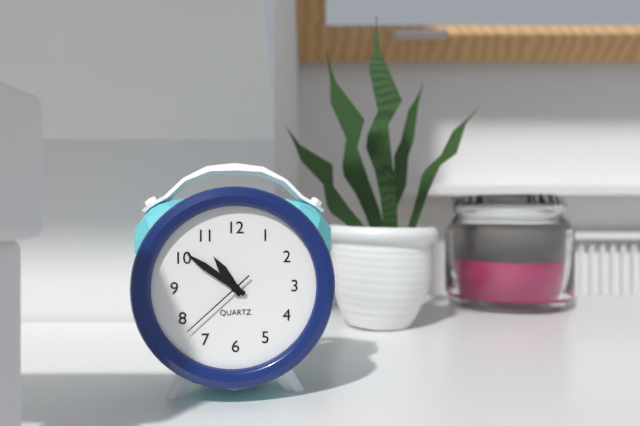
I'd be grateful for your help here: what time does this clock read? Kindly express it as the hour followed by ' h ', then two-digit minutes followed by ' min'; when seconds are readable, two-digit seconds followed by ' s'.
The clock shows 10 h 51 min 38 s
